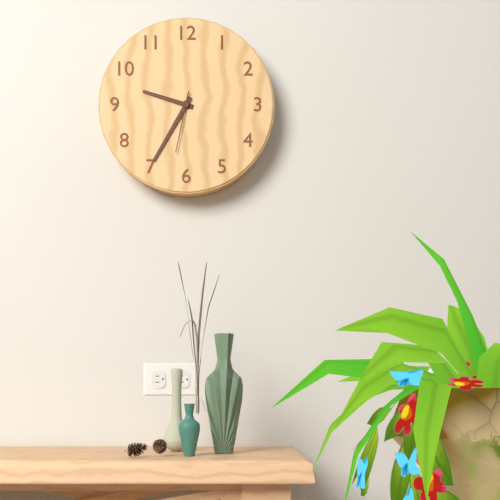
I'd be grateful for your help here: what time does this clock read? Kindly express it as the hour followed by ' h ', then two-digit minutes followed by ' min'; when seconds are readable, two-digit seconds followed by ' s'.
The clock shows 9 h 35 min 32 s
